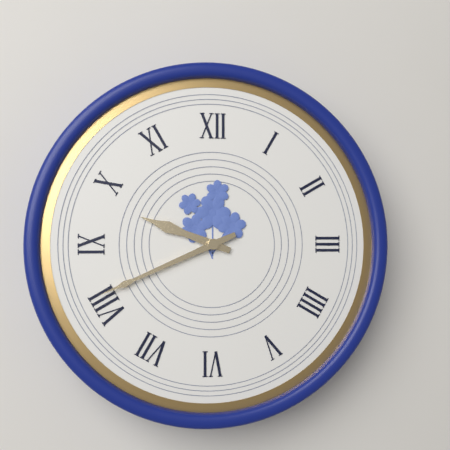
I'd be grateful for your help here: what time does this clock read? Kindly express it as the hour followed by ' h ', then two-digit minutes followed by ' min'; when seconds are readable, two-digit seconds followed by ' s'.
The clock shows 9 h 41 min
